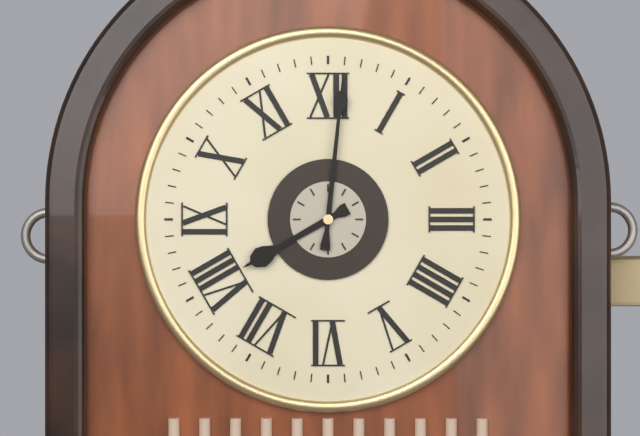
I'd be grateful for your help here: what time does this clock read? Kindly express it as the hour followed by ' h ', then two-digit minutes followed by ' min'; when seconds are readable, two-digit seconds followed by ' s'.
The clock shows 8 h 01 min
